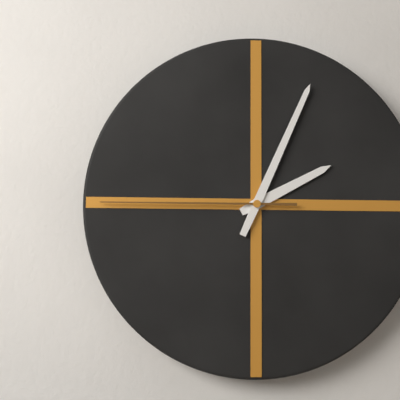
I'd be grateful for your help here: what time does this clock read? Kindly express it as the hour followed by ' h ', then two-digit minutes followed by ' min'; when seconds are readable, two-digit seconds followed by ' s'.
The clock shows 2 h 04 min 45 s
